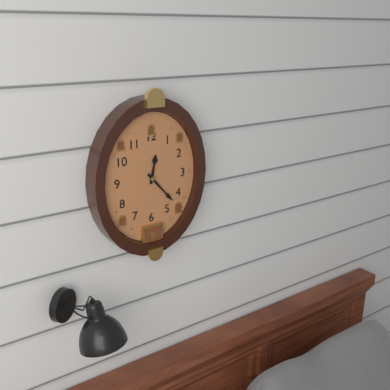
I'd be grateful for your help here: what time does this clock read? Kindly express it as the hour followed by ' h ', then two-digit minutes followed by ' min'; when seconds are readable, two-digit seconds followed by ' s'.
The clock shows 12 h 23 min
